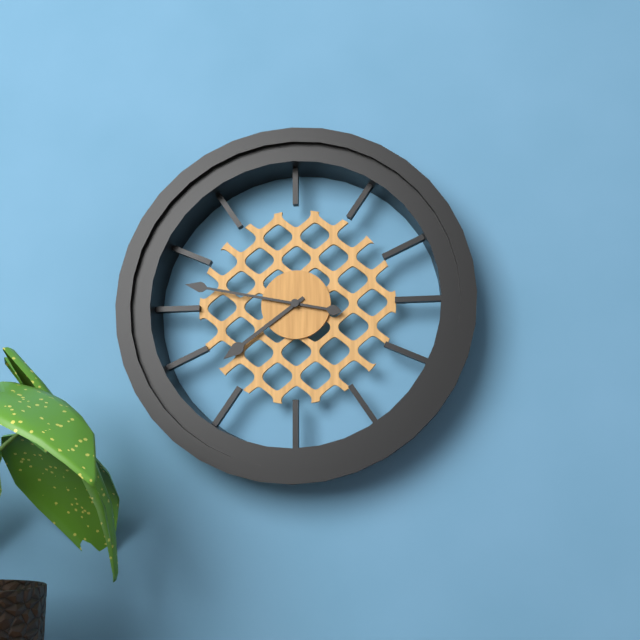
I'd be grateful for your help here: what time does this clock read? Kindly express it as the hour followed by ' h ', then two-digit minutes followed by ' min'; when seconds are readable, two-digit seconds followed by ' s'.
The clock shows 7 h 47 min
